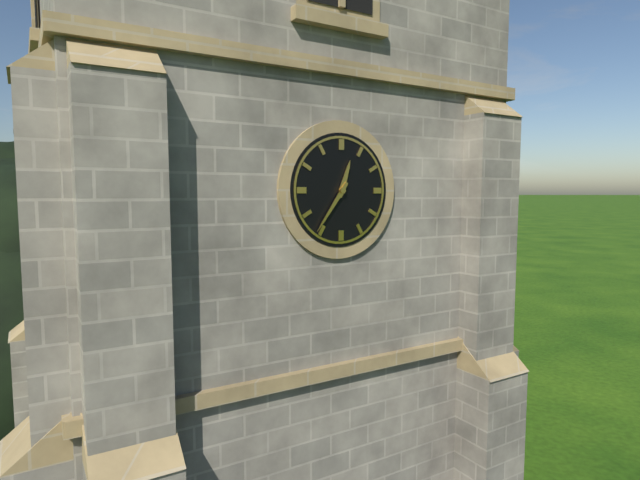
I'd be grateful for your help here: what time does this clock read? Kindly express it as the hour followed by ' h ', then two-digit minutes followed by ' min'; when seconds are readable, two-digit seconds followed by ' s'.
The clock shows 12 h 36 min
